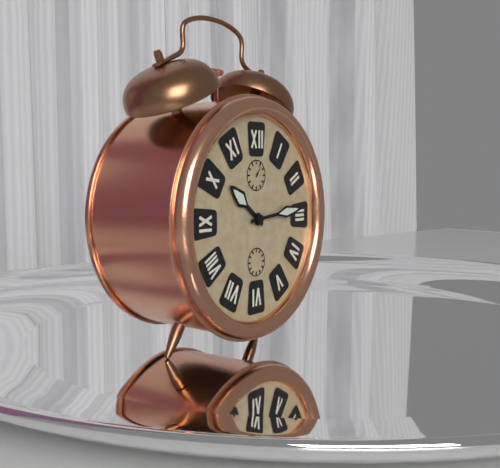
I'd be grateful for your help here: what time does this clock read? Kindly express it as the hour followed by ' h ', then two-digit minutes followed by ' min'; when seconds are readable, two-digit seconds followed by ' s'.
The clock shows 10 h 14 min
